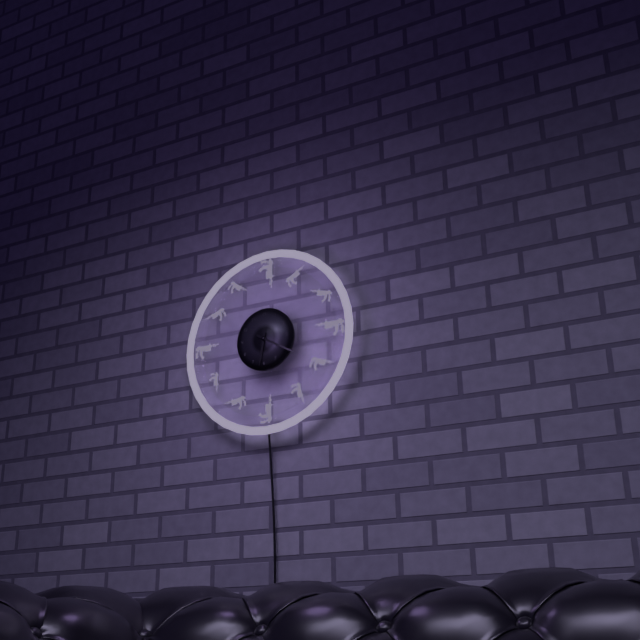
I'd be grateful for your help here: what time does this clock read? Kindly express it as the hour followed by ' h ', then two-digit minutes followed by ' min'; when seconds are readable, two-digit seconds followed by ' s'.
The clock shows 6 h 20 min
